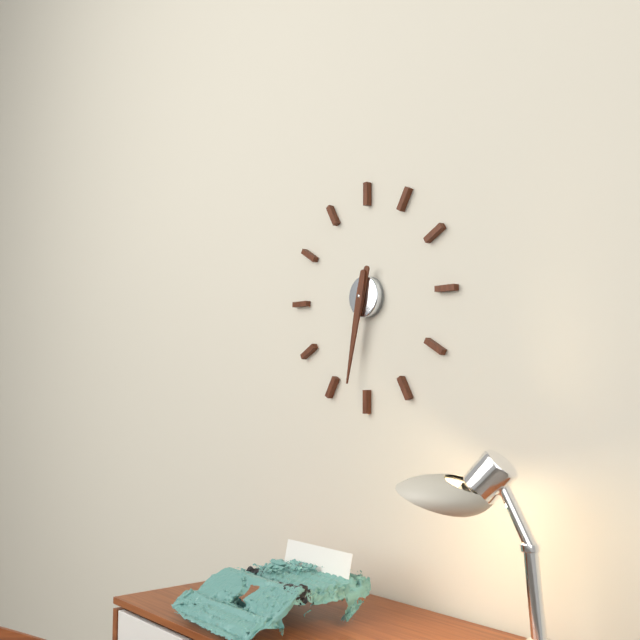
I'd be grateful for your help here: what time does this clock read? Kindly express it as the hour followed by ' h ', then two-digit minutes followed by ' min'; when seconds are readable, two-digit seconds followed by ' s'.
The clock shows 6 h 32 min
